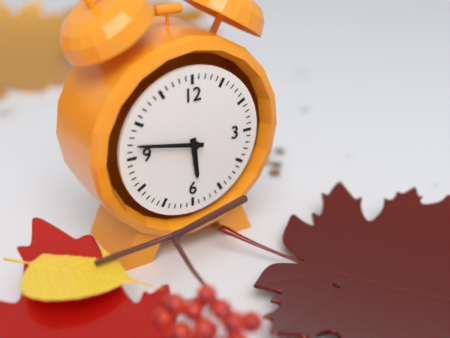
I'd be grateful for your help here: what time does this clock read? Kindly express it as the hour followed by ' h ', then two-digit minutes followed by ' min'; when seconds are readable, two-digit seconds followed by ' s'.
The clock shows 5 h 47 min
